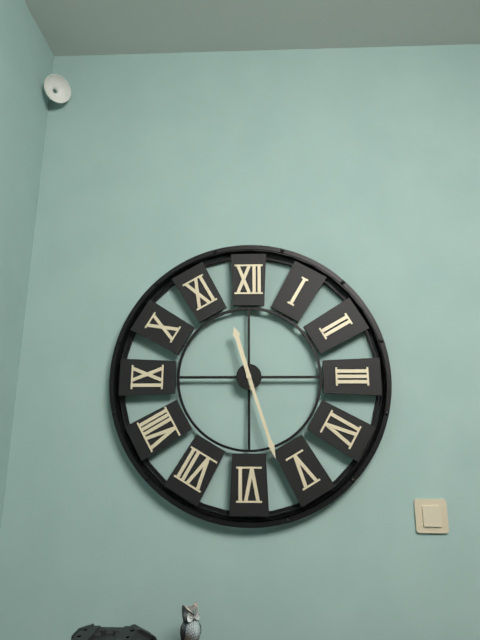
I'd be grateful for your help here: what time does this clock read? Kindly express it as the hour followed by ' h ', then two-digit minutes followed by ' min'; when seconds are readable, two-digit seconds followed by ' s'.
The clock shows 11 h 27 min
